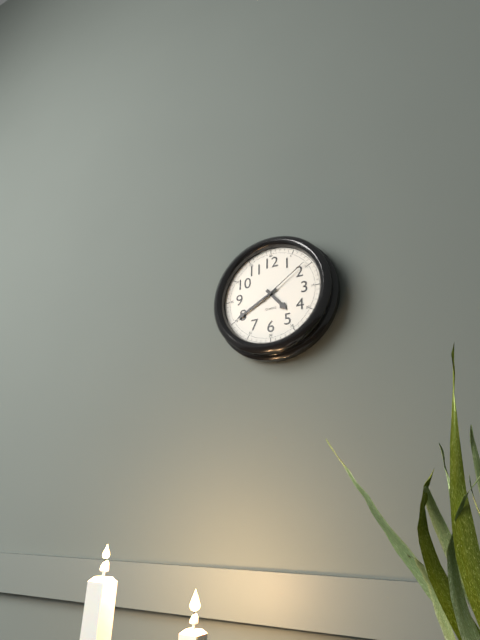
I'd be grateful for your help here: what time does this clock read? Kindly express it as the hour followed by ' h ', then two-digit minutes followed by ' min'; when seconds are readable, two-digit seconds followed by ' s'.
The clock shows 4 h 40 min 09 s
